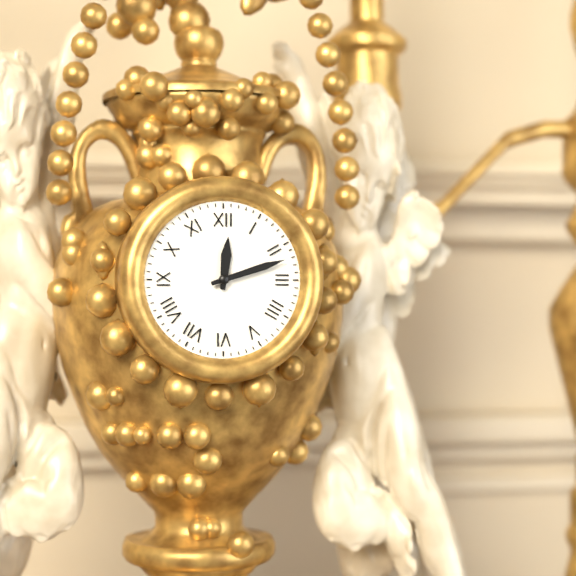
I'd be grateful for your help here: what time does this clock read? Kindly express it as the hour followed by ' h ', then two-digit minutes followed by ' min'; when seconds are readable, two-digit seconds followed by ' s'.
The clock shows 12 h 12 min
